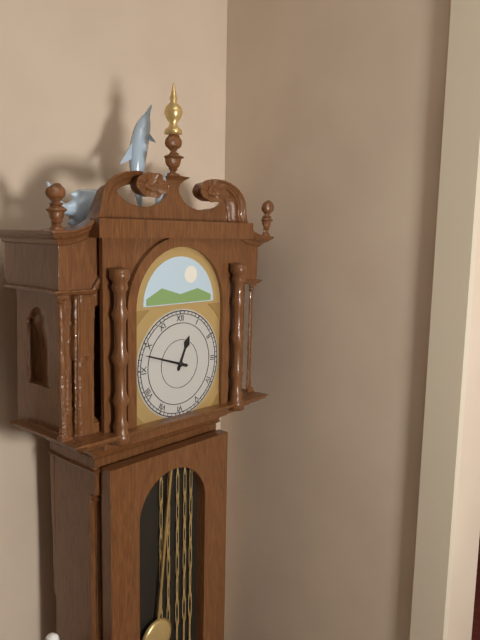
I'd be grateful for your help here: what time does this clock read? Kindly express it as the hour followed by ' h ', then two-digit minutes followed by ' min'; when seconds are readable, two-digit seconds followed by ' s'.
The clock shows 12 h 48 min
